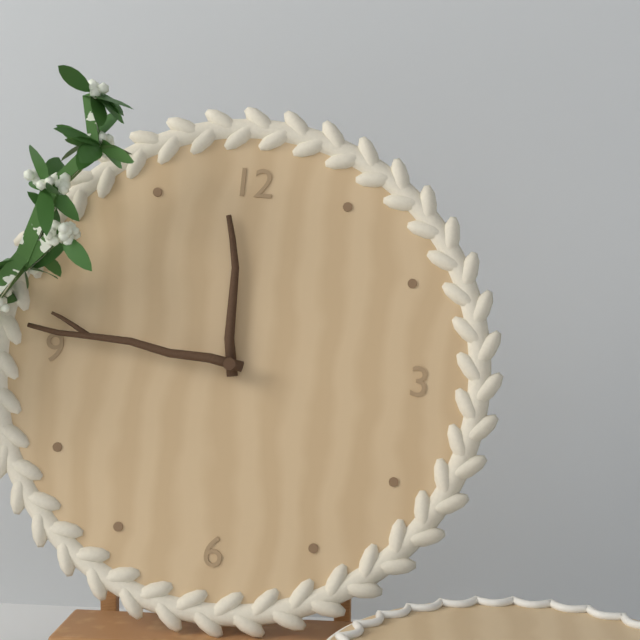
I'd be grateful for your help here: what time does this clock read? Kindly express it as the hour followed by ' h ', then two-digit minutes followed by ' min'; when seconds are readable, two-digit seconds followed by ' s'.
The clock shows 11 h 46 min
